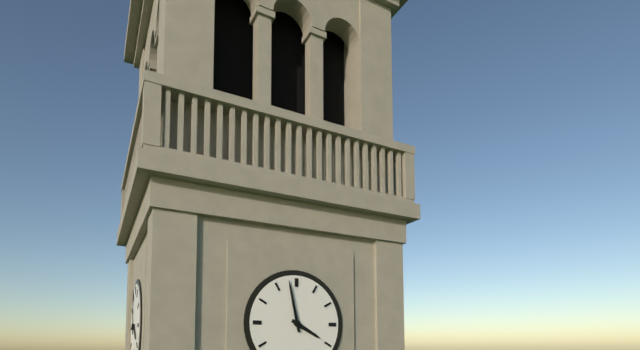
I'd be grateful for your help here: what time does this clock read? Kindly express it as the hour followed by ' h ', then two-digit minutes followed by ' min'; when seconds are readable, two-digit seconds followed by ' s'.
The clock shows 3 h 58 min
